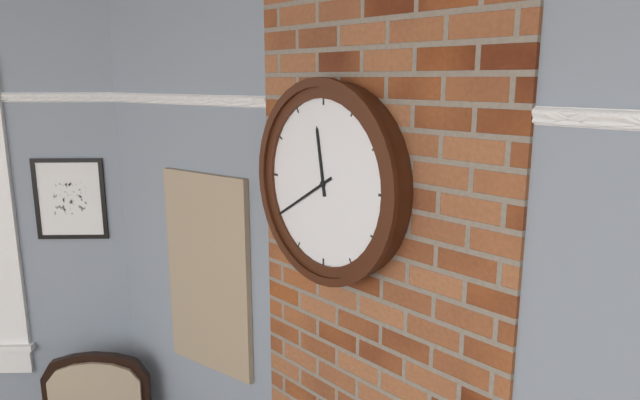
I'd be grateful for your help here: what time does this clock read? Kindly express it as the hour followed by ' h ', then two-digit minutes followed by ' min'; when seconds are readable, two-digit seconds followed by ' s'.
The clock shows 11 h 40 min
